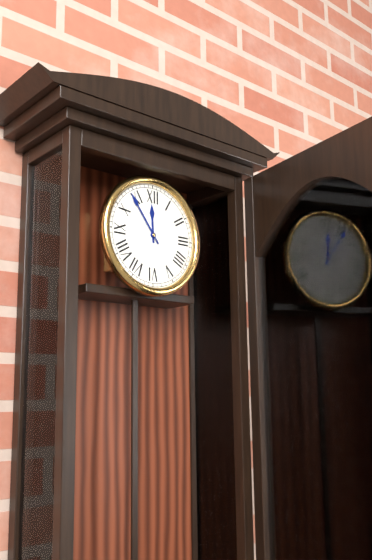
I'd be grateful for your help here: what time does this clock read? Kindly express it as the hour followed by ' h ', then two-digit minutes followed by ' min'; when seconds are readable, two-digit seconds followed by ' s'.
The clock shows 11 h 54 min
